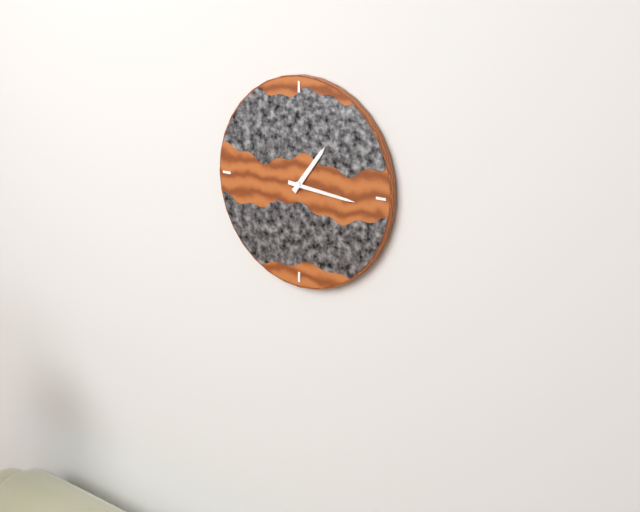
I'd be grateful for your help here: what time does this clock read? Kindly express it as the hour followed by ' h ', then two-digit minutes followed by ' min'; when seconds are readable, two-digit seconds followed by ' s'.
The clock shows 1 h 16 min
